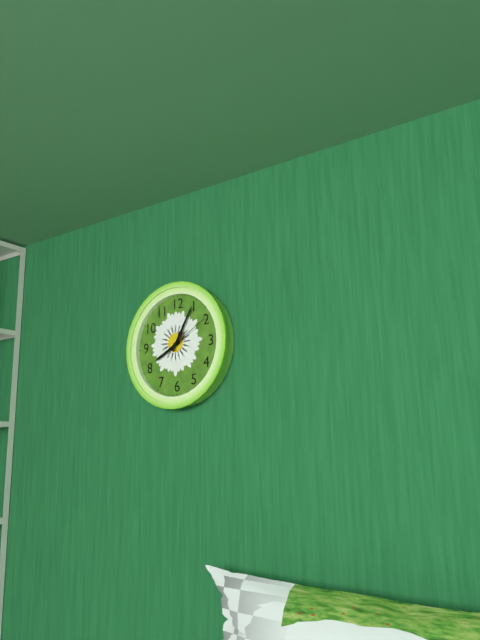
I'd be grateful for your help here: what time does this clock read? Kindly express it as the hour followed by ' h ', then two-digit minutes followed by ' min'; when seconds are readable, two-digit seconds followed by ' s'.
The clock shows 8 h 05 min 10 s
